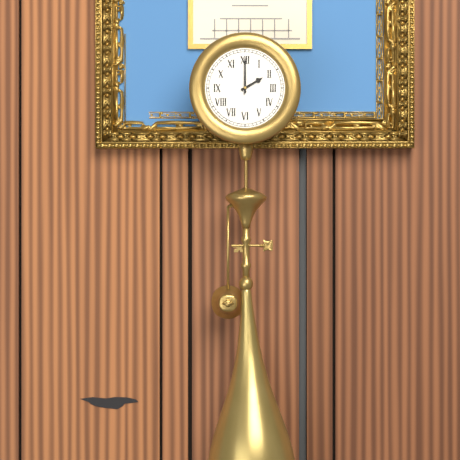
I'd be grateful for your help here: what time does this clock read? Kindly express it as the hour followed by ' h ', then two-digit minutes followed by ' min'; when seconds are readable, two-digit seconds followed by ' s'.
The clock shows 2 h 00 min
